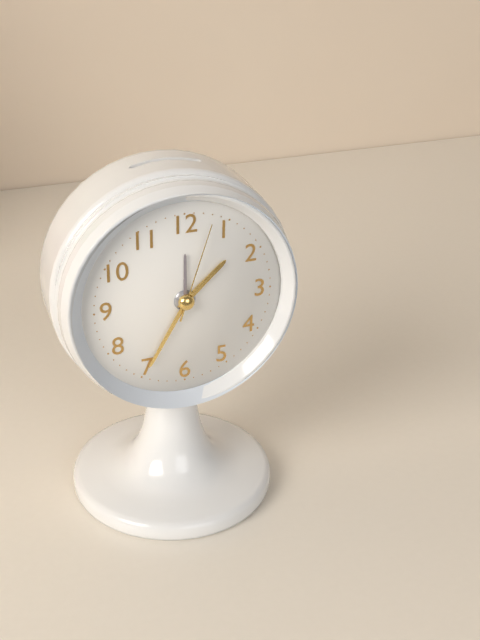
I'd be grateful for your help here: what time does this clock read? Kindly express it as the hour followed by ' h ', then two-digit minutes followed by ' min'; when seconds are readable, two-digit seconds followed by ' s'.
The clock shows 1 h 35 min 03 s
